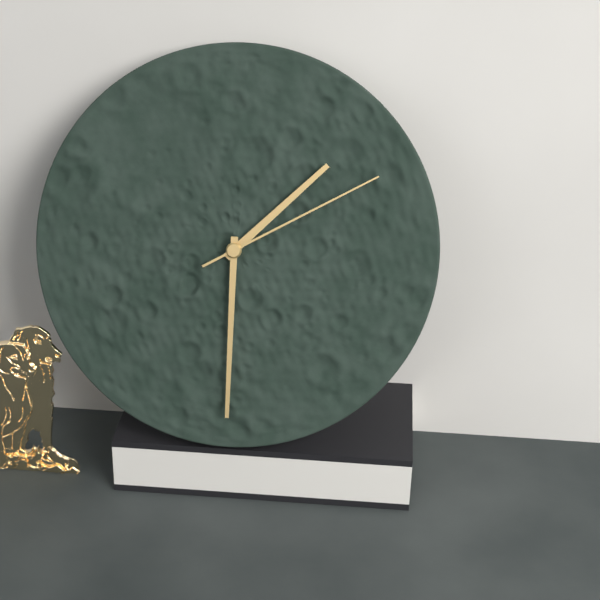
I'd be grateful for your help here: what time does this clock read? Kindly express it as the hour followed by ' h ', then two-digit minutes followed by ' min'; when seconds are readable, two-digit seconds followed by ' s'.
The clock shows 1 h 30 min 10 s
